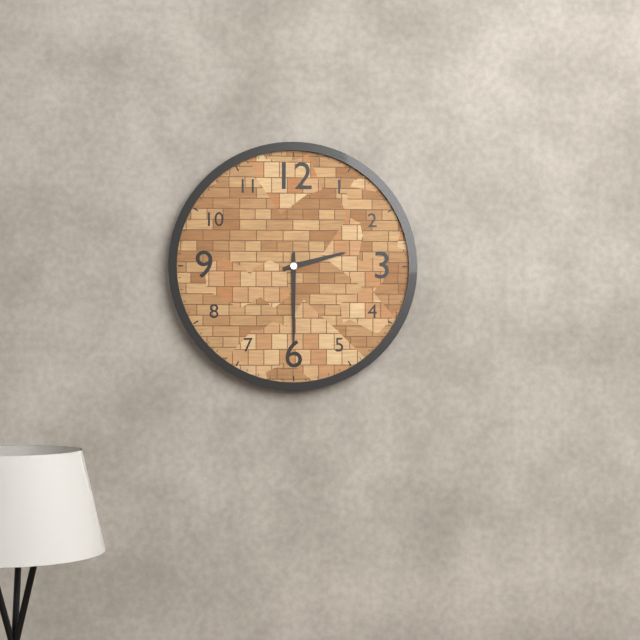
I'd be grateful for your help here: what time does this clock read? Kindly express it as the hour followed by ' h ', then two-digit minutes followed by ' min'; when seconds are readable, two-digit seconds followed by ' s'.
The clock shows 2 h 30 min
